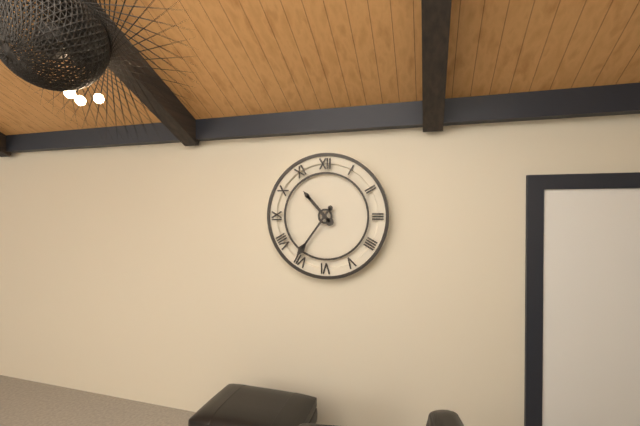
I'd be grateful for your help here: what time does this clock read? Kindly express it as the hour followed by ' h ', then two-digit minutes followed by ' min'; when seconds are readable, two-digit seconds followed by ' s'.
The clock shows 10 h 36 min
